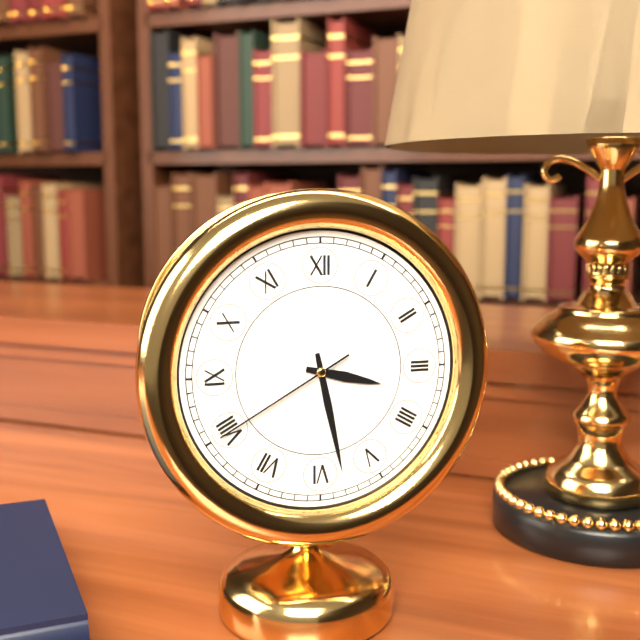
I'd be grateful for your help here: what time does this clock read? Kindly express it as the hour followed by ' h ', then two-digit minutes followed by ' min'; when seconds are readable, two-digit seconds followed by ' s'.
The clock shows 3 h 28 min 40 s
